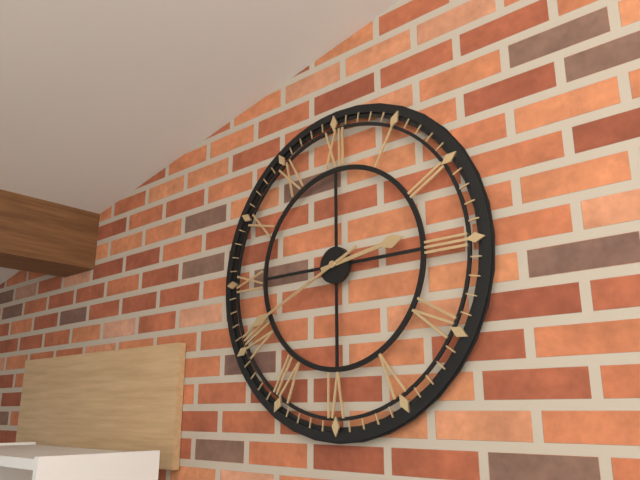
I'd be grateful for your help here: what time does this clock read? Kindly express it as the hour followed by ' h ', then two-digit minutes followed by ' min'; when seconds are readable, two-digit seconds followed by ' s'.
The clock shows 2 h 41 min
